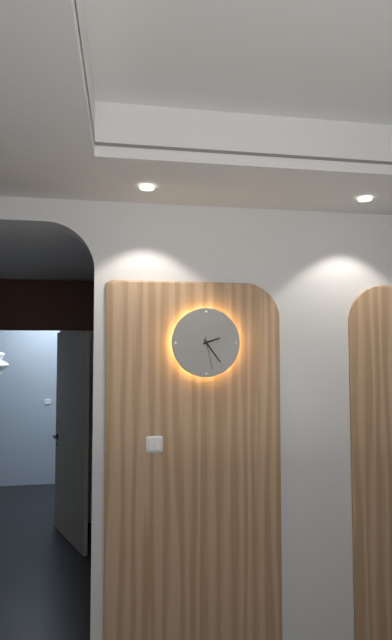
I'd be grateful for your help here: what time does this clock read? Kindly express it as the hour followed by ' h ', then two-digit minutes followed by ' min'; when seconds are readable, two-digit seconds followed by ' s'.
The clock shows 2 h 24 min
